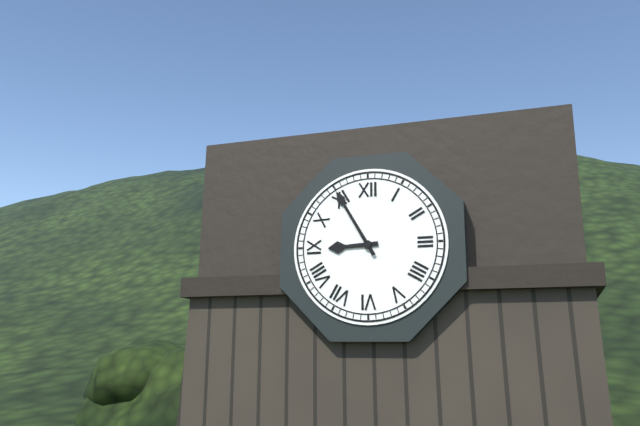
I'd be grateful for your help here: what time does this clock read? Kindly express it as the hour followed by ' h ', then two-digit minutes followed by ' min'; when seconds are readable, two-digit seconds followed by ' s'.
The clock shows 8 h 55 min
